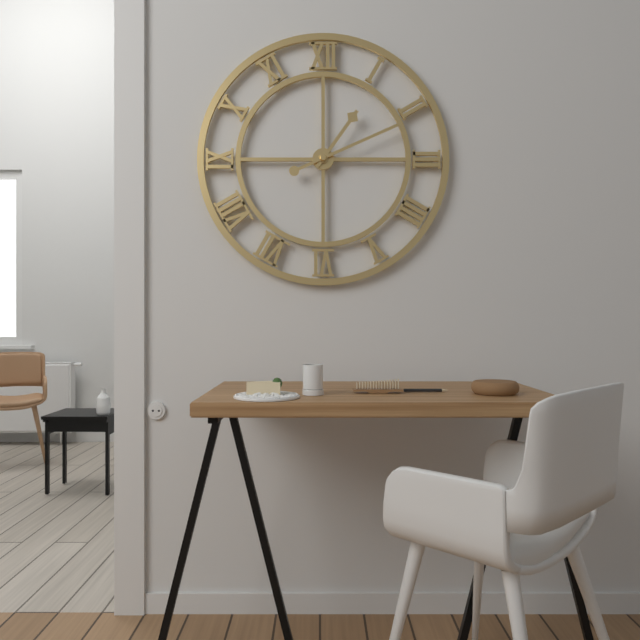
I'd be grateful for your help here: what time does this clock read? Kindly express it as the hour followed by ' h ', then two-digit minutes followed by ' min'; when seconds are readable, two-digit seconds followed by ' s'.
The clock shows 1 h 11 min
